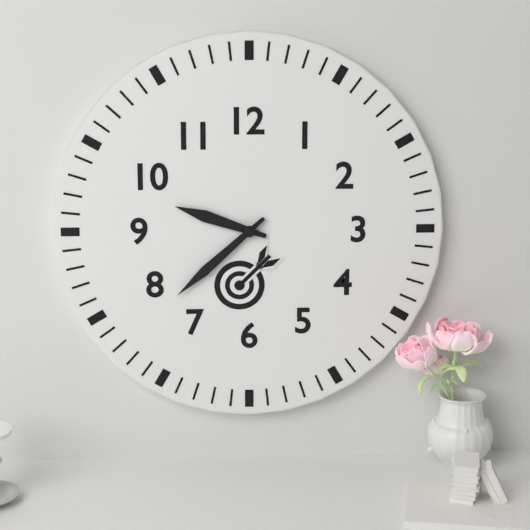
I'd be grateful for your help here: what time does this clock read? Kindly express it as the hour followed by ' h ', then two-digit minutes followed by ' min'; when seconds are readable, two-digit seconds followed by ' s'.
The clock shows 9 h 38 min
